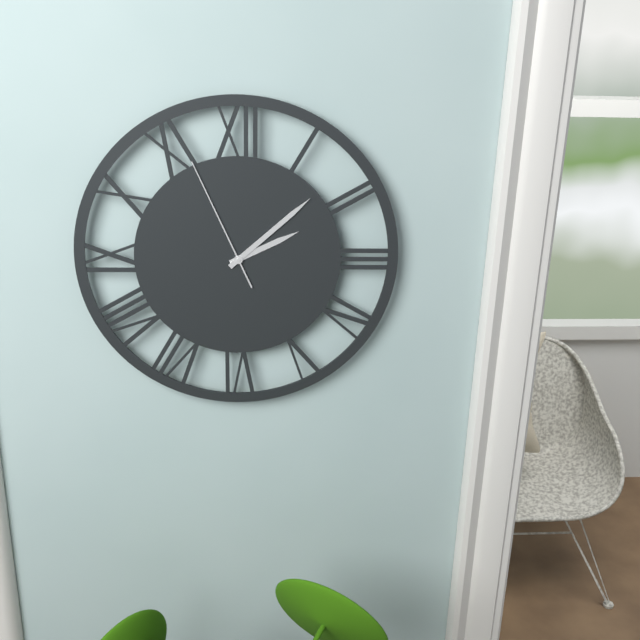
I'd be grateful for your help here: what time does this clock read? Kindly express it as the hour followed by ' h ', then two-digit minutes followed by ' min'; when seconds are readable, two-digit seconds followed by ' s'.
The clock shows 2 h 08 min 56 s
